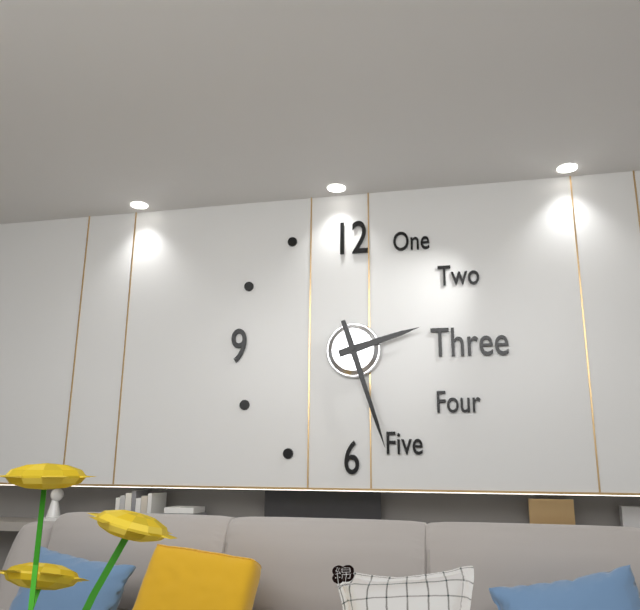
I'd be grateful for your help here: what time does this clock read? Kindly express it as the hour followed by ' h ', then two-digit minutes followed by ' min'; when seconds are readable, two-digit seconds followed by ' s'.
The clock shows 2 h 27 min
